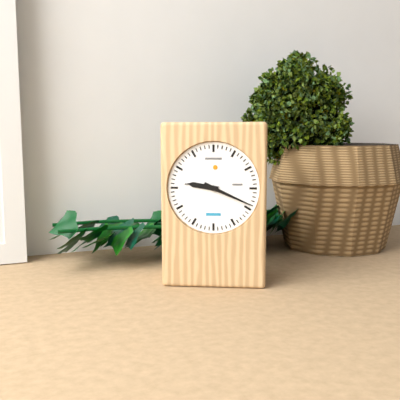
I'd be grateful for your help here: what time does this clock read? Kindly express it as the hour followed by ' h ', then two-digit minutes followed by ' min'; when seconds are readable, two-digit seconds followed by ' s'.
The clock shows 9 h 19 min
